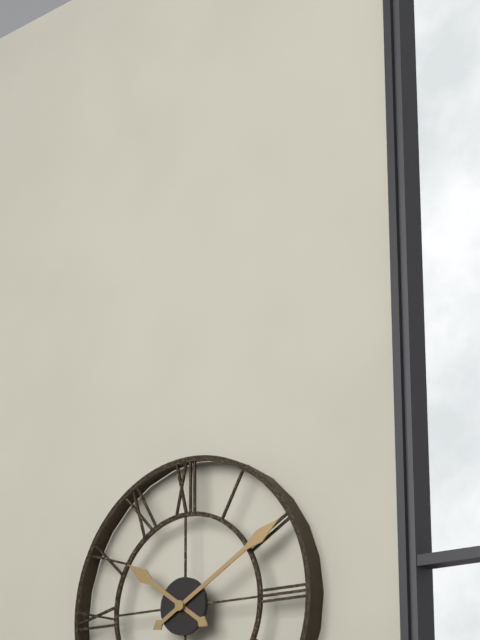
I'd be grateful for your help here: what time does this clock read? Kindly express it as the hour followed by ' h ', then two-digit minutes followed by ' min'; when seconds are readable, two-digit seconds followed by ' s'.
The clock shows 10 h 10 min
